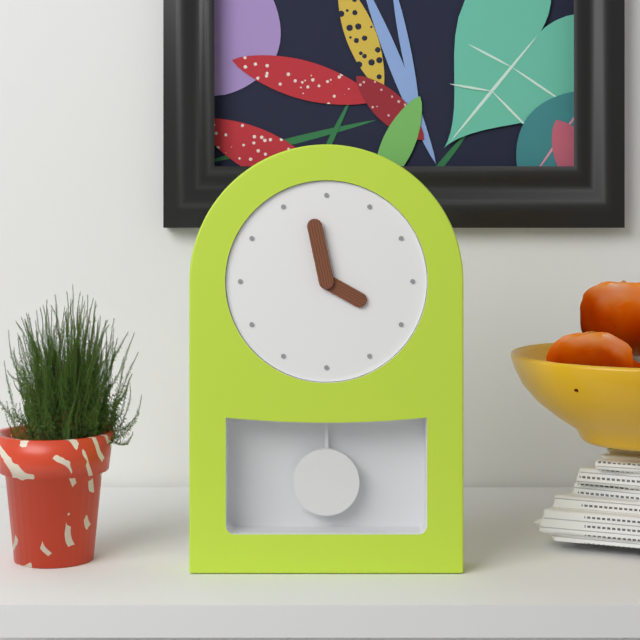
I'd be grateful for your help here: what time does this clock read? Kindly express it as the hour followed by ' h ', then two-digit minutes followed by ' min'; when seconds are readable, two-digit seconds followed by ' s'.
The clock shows 3 h 58 min
